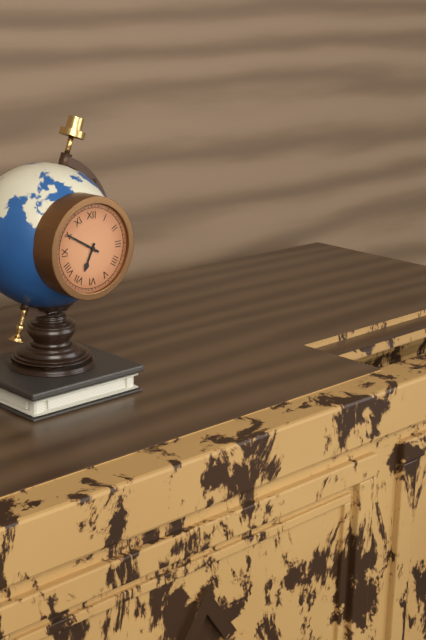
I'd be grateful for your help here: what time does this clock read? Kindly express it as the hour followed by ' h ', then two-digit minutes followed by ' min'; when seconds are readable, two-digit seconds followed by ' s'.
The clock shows 6 h 50 min
